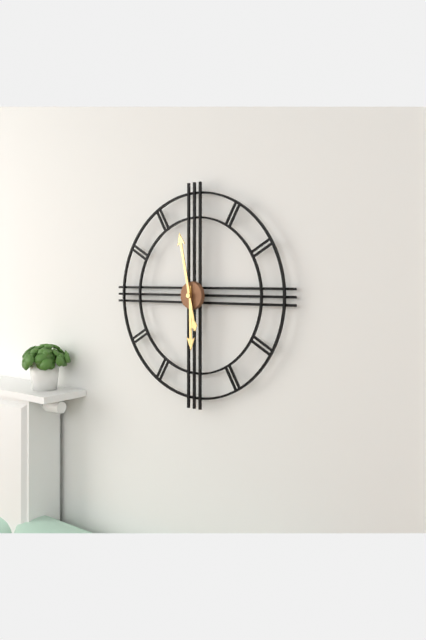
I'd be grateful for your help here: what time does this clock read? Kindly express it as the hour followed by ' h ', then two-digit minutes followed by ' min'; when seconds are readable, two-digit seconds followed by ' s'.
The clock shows 5 h 58 min
